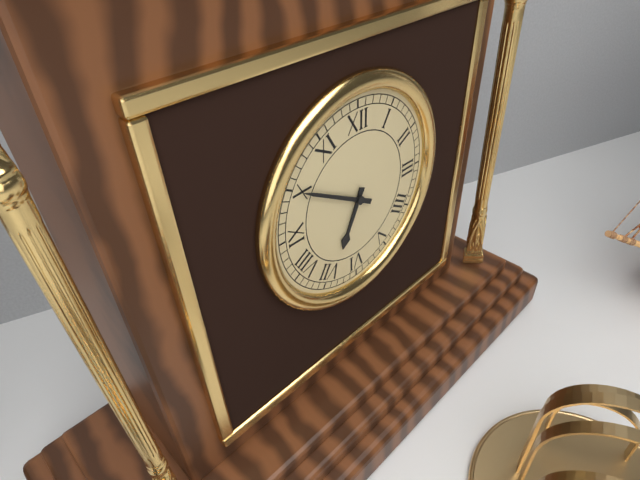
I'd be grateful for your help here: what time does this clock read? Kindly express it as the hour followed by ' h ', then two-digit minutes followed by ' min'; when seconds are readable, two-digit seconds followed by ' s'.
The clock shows 6 h 50 min
